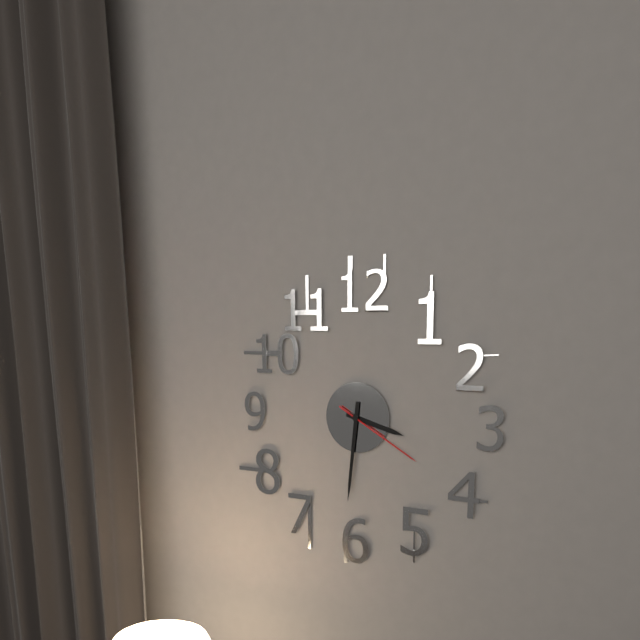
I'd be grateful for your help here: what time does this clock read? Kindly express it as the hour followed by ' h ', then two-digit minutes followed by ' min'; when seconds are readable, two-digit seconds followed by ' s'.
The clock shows 3 h 31 min 20 s
